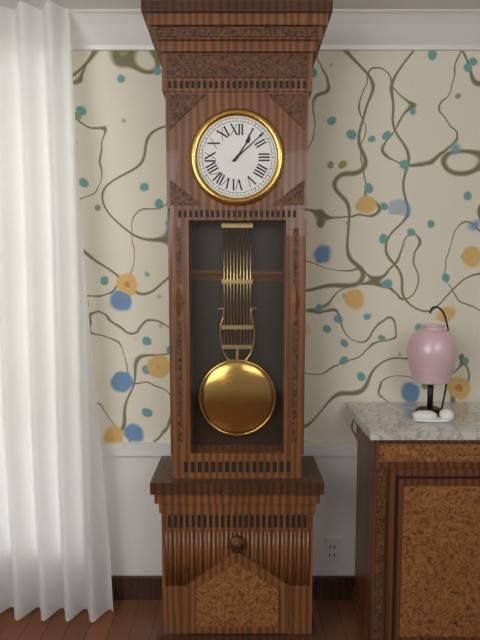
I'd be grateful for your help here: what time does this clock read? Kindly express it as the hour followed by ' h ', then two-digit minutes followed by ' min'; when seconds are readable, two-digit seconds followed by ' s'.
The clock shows 1 h 08 min
